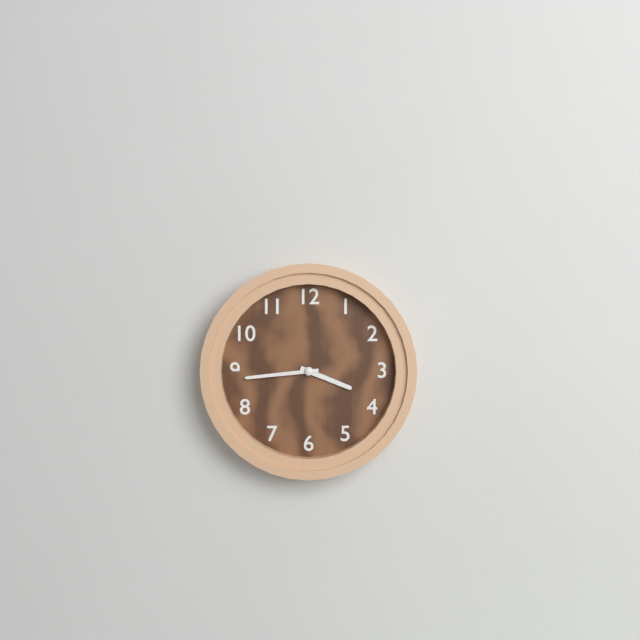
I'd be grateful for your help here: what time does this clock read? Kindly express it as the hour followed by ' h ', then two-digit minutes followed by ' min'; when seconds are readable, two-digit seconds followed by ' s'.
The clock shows 3 h 44 min
